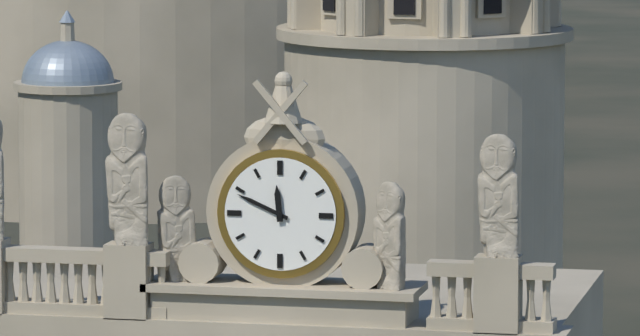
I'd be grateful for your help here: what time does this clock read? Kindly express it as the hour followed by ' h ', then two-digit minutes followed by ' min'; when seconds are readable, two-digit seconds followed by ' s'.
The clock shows 11 h 49 min
